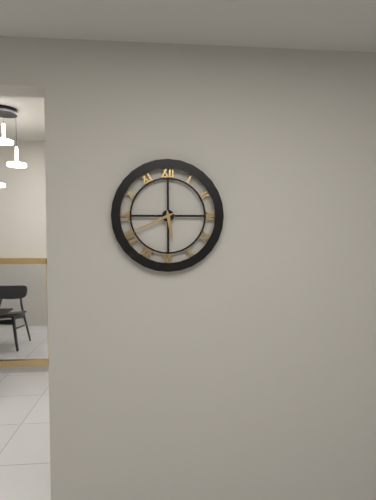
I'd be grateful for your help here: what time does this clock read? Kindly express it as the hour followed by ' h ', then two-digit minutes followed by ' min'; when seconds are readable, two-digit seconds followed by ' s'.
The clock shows 5 h 41 min
